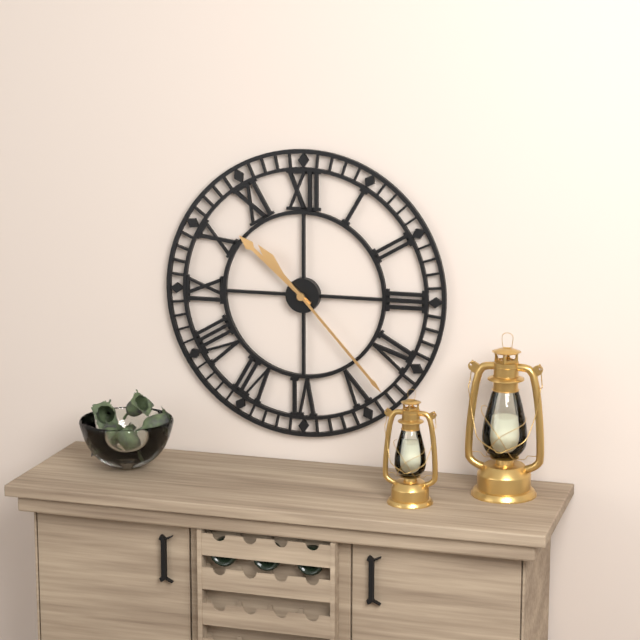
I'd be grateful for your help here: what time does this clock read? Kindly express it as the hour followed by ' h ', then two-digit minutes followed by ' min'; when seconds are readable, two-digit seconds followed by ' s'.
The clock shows 10 h 23 min
